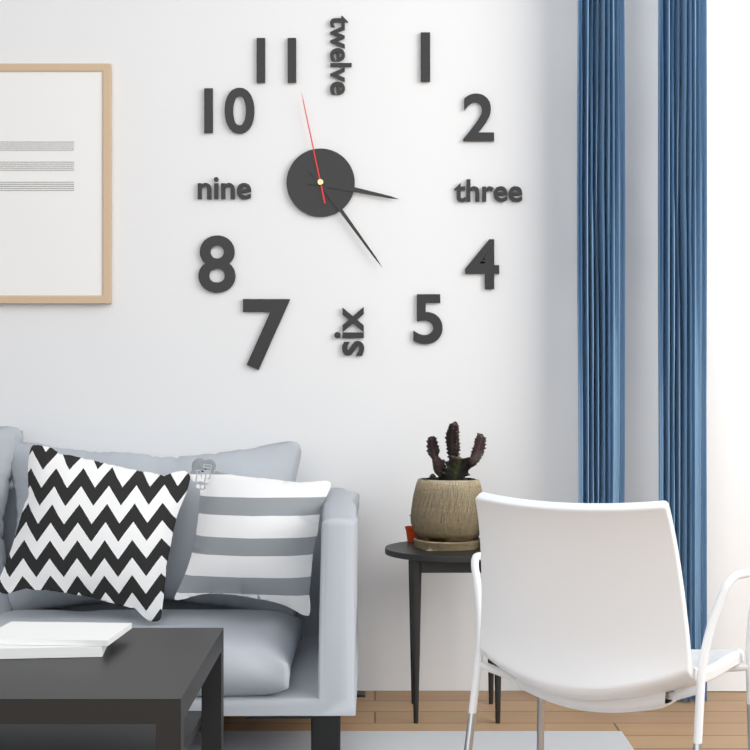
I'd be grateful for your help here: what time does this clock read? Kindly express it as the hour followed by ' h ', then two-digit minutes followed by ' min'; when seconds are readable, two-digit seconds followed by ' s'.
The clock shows 3 h 24 min 58 s
